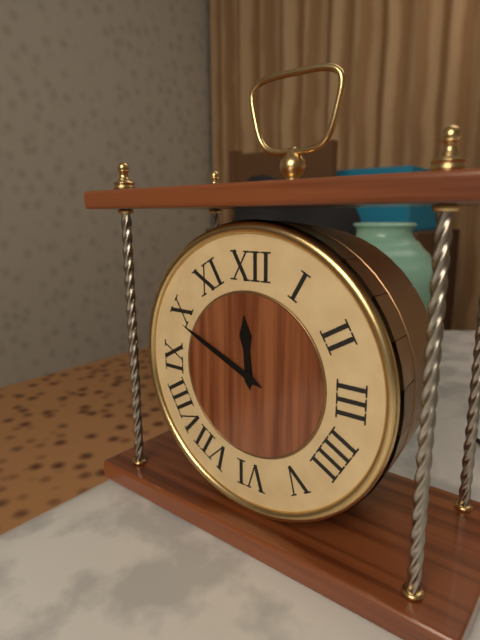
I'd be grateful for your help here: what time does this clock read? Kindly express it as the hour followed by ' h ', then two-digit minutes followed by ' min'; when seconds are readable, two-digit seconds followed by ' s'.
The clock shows 11 h 49 min
